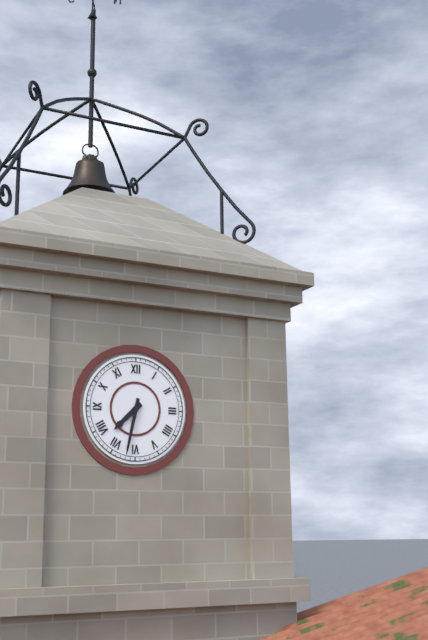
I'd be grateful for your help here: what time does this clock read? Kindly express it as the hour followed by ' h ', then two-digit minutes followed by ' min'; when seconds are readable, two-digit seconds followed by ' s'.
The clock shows 7 h 32 min
